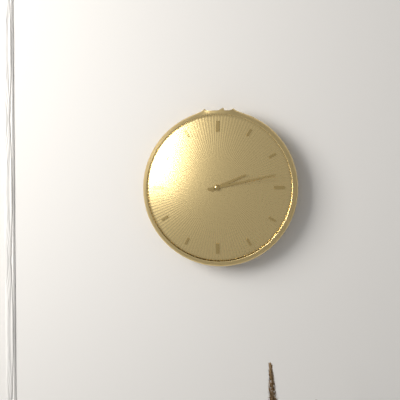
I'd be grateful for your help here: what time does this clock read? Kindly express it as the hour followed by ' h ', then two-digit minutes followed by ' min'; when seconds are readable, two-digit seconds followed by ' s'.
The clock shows 2 h 13 min
